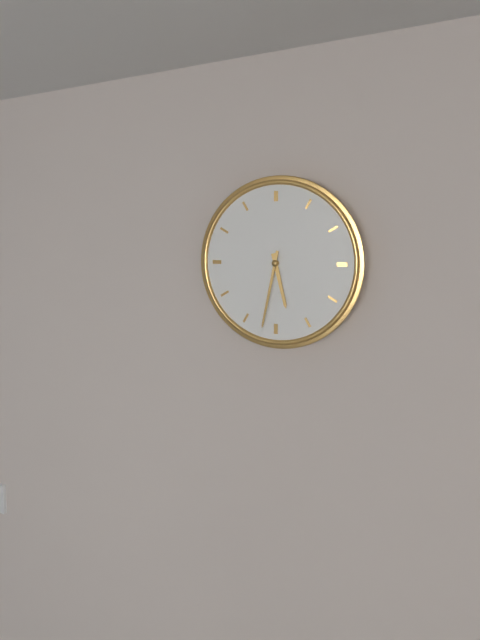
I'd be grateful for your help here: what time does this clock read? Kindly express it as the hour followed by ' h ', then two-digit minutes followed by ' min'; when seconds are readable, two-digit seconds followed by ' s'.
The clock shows 5 h 32 min
